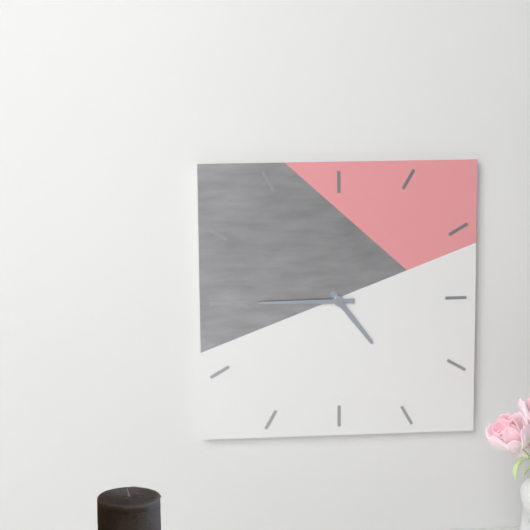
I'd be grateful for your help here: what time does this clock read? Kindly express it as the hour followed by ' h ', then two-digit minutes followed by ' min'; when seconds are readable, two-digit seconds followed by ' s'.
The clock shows 4 h 45 min
